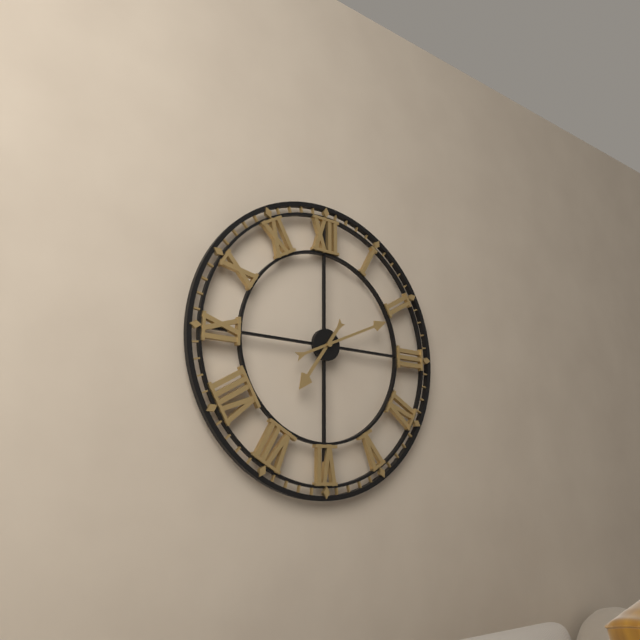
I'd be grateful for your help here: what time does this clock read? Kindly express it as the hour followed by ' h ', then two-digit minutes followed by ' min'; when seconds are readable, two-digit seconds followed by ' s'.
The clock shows 7 h 11 min
